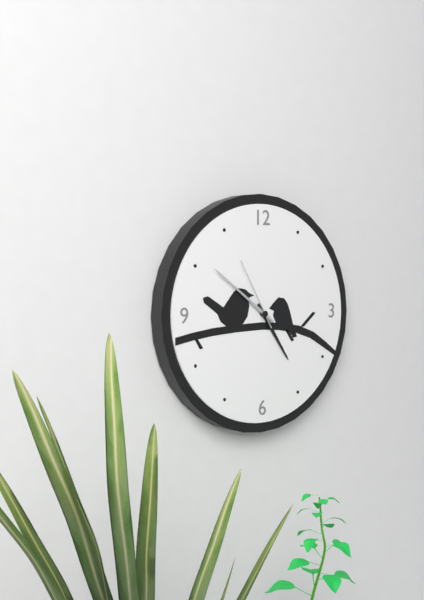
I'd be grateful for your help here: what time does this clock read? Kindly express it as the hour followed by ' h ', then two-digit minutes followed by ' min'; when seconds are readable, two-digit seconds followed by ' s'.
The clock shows 4 h 51 min 55 s
